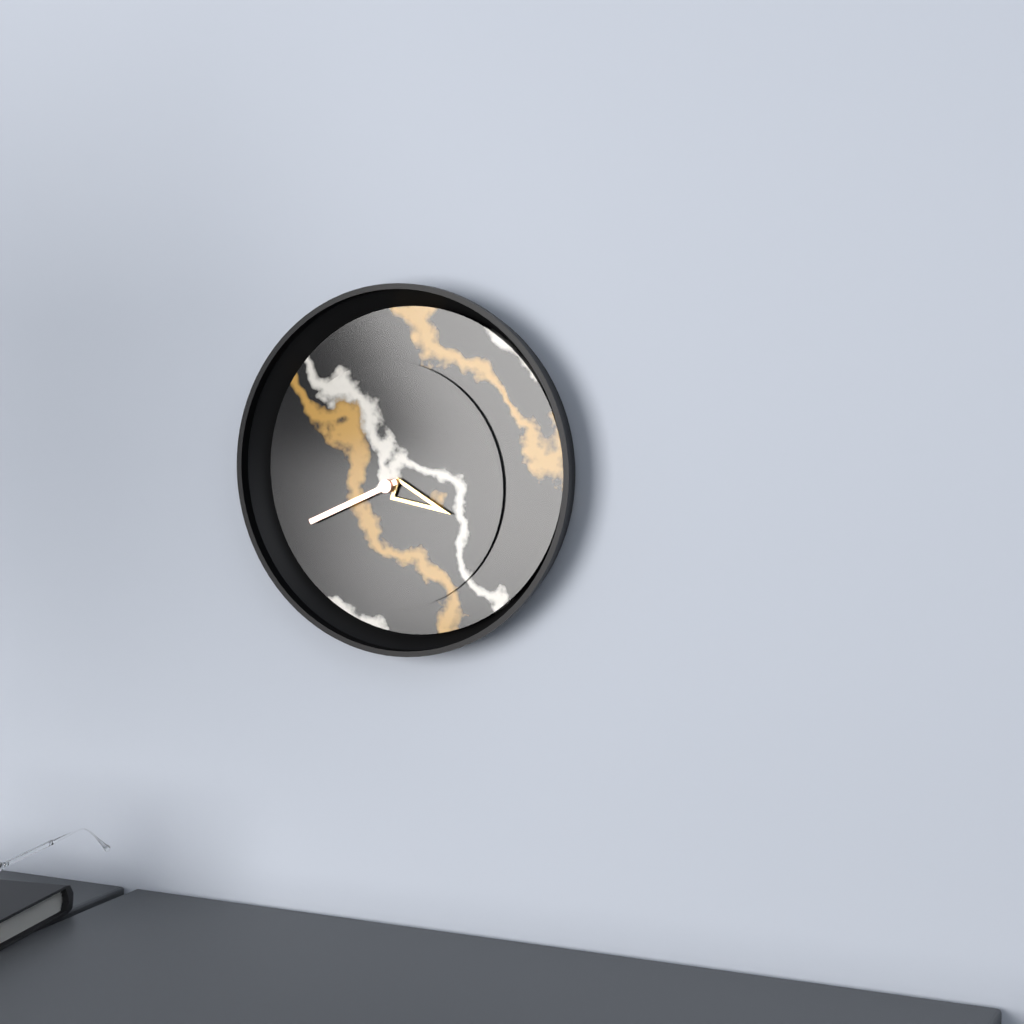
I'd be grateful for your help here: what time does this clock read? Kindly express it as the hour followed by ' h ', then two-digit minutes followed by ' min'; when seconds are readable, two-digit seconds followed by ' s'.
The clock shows 3 h 41 min
